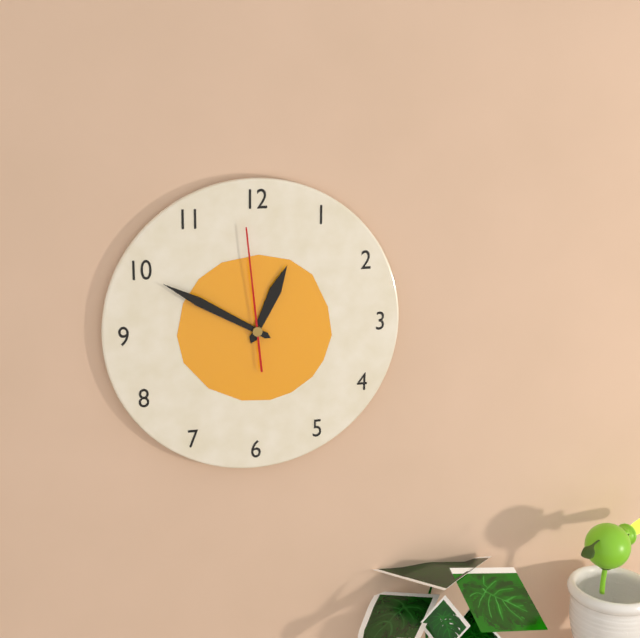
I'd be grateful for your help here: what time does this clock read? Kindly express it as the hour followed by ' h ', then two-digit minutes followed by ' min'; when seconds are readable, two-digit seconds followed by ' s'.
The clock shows 12 h 50 min 59 s
